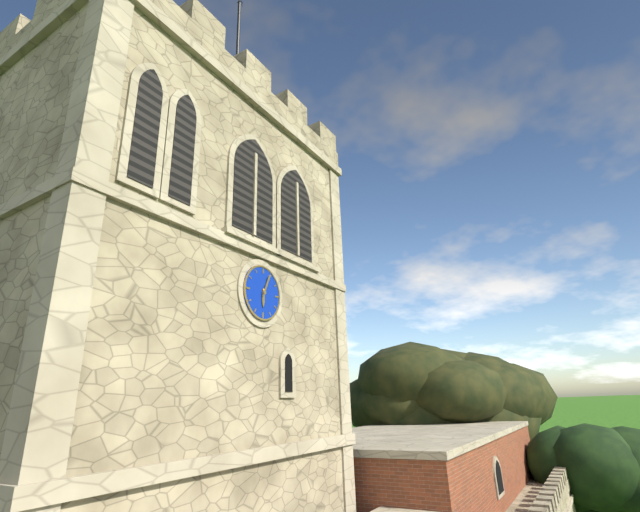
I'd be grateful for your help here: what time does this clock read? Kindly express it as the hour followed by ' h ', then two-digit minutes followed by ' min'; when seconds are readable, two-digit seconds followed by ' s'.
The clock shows 6 h 04 min
